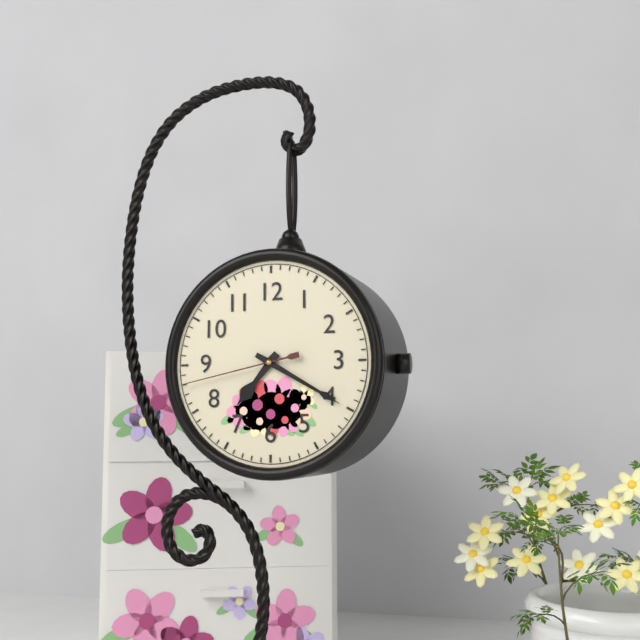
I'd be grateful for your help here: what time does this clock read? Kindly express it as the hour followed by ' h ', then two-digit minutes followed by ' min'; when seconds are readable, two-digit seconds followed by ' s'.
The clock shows 7 h 20 min 43 s
